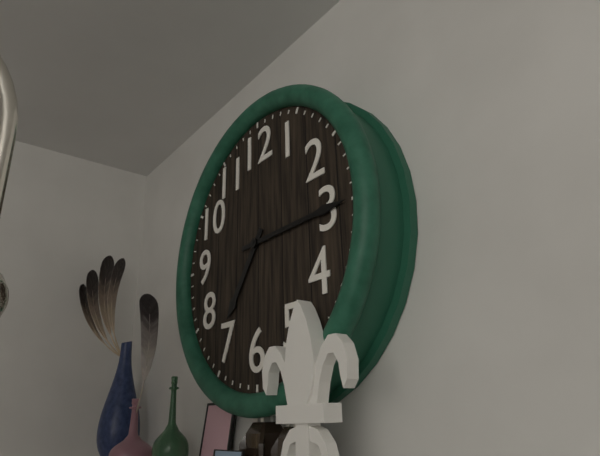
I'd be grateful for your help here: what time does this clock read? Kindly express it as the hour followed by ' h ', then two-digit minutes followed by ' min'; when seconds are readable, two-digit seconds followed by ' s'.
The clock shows 7 h 15 min
